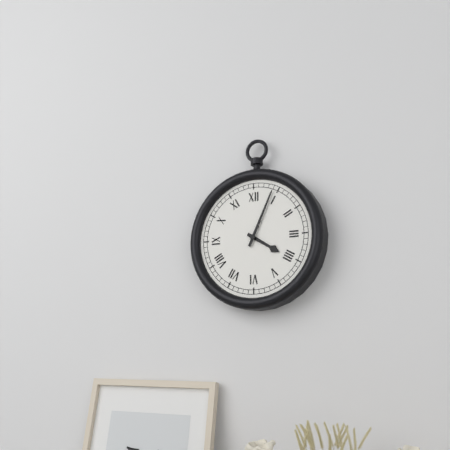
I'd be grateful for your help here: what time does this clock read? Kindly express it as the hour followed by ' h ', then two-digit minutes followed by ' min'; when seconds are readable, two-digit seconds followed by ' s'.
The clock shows 4 h 04 min
